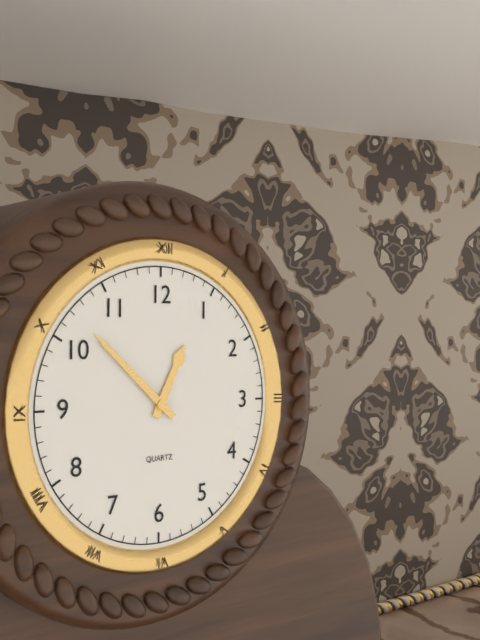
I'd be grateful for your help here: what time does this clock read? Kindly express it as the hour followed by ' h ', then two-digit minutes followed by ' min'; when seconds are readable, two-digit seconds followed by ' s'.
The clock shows 12 h 52 min
